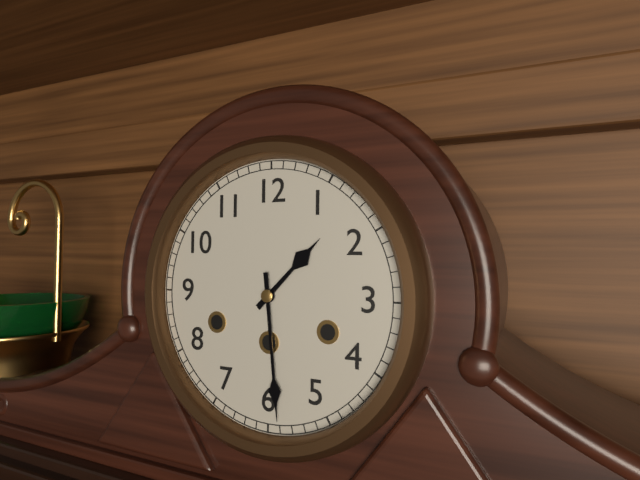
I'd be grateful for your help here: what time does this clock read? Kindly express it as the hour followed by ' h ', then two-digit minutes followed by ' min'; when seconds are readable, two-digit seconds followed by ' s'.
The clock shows 1 h 29 min
